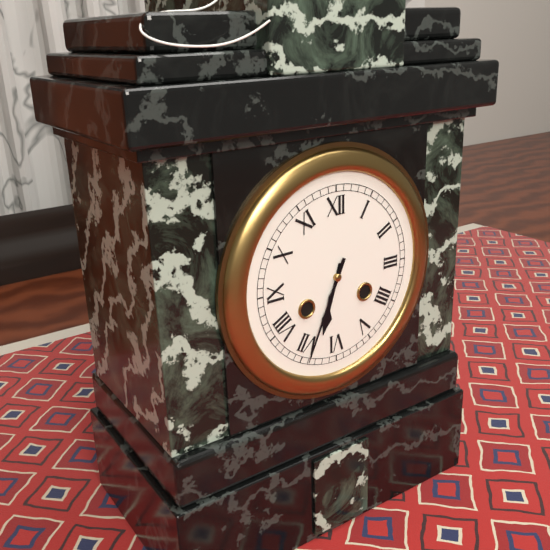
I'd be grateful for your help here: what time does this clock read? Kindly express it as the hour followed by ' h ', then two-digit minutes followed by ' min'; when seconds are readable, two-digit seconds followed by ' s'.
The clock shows 6 h 34 min
